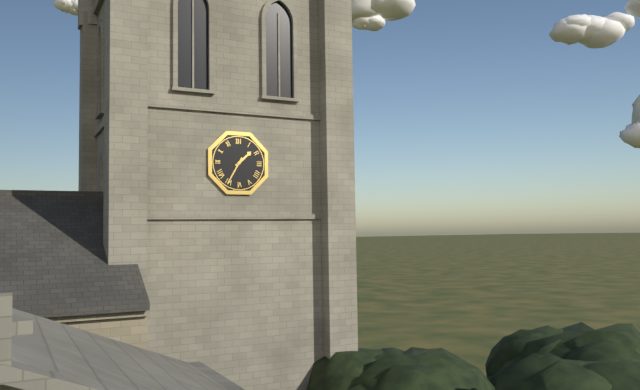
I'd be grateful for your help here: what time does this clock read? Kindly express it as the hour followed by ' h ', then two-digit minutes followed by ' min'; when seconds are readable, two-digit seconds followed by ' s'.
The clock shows 1 h 35 min
